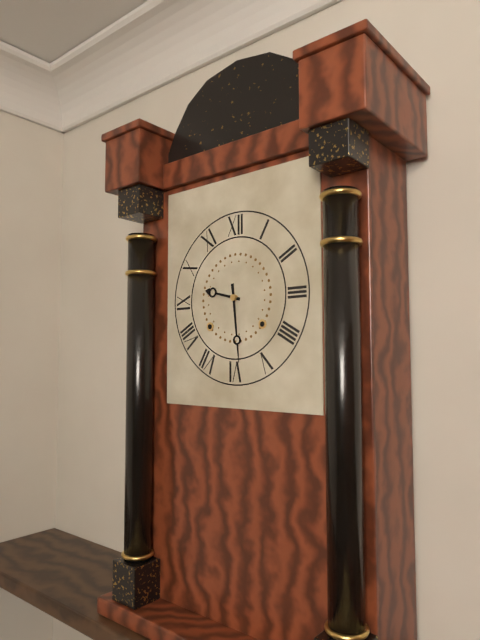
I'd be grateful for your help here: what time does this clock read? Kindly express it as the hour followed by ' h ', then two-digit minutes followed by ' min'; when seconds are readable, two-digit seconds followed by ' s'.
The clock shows 9 h 29 min
